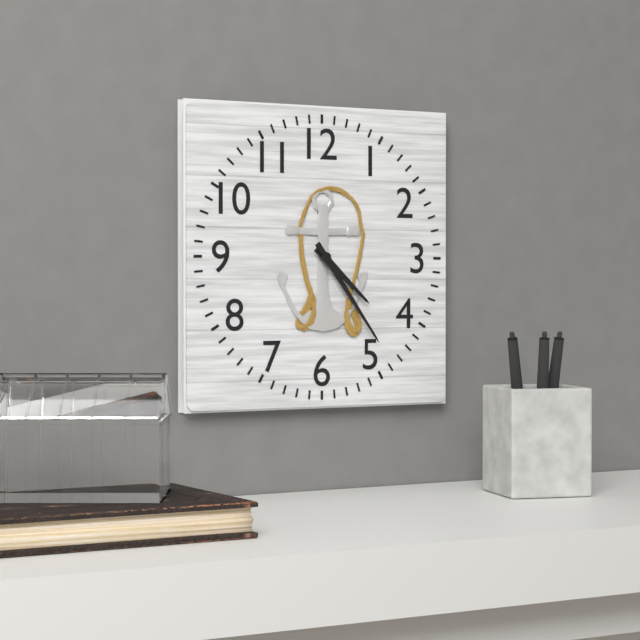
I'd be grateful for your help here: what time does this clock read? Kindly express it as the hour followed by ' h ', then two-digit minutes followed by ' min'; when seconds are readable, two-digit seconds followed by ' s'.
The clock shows 4 h 24 min
